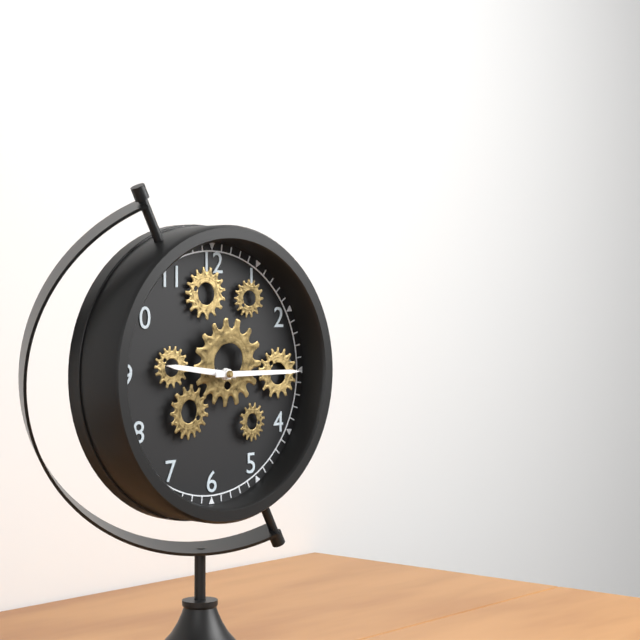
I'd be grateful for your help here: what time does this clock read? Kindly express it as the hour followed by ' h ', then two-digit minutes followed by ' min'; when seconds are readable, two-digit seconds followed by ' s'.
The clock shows 9 h 15 min
